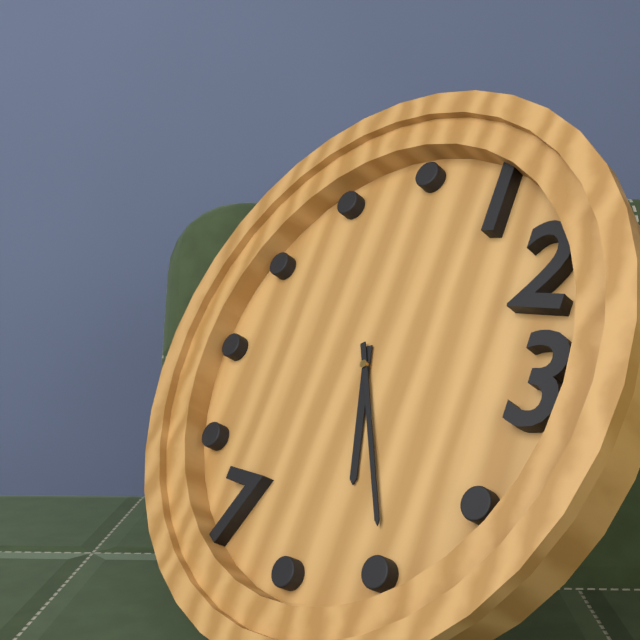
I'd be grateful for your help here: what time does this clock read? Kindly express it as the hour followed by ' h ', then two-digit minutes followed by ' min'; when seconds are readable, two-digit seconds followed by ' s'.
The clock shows 5 h 25 min
